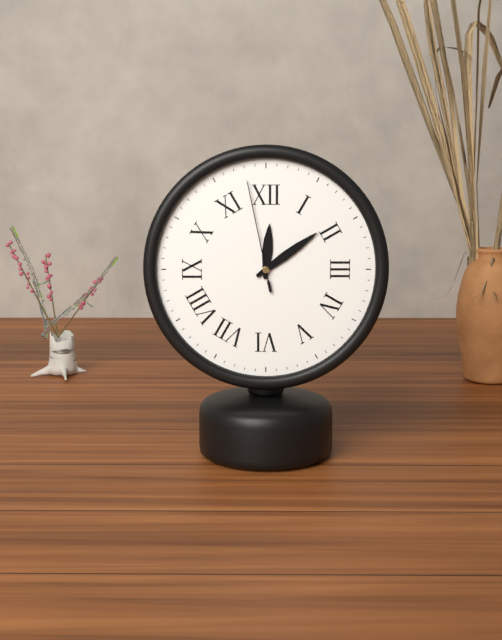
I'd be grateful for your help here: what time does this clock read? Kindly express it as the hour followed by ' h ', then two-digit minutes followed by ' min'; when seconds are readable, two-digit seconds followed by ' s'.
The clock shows 12 h 09 min 58 s
